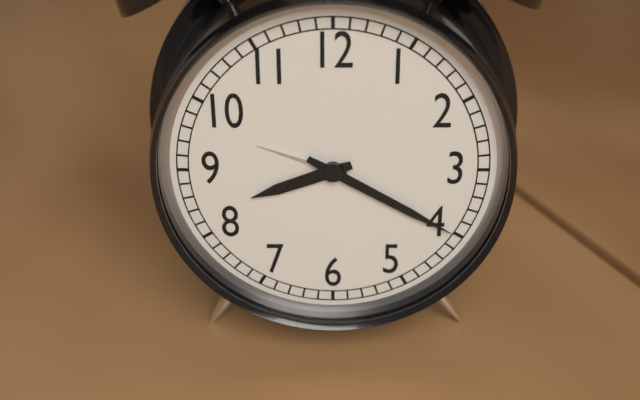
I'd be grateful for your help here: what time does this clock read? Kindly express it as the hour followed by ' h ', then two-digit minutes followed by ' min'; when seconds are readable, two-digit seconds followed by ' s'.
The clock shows 8 h 20 min
